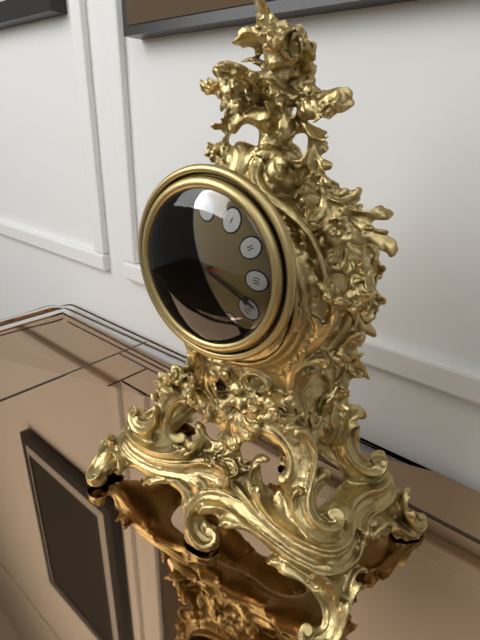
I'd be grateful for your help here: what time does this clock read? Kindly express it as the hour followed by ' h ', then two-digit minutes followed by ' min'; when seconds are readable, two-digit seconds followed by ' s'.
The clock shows 8 h 19 min 44 s
